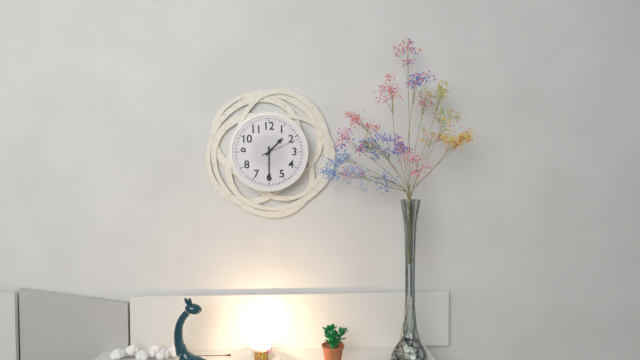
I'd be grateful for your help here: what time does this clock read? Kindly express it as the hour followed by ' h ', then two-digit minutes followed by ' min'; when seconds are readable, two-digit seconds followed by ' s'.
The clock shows 1 h 30 min
